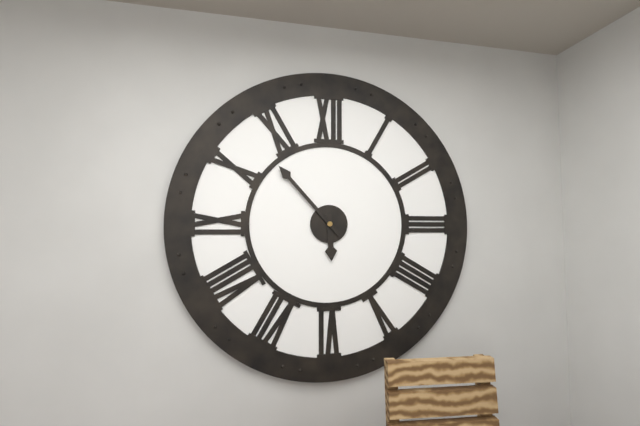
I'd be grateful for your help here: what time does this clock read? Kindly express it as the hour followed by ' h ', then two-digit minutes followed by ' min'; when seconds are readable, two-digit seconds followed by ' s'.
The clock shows 5 h 53 min
